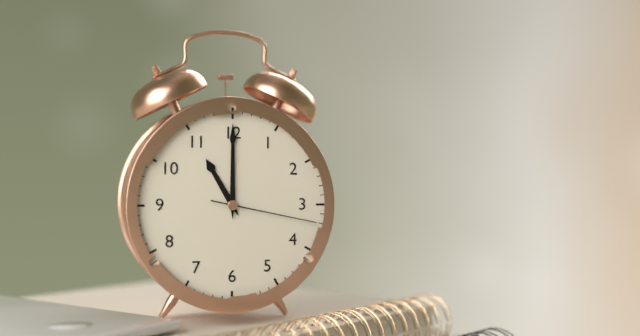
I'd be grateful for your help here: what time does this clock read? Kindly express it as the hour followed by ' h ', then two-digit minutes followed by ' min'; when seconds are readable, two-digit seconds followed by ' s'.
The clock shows 11 h 00 min 17 s
